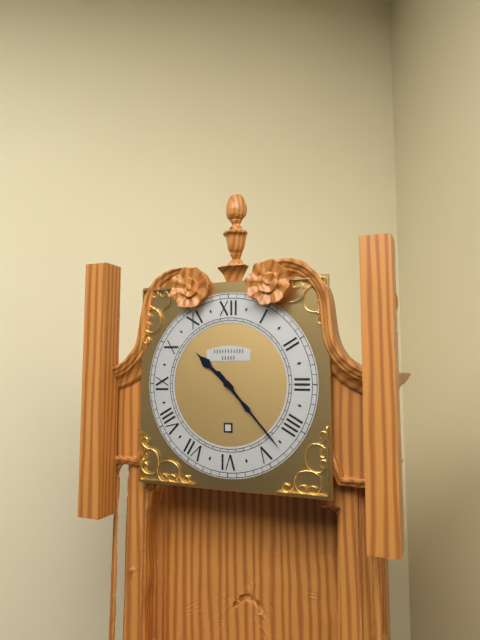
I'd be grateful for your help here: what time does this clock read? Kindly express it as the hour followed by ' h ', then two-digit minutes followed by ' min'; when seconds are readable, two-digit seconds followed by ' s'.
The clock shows 10 h 23 min
